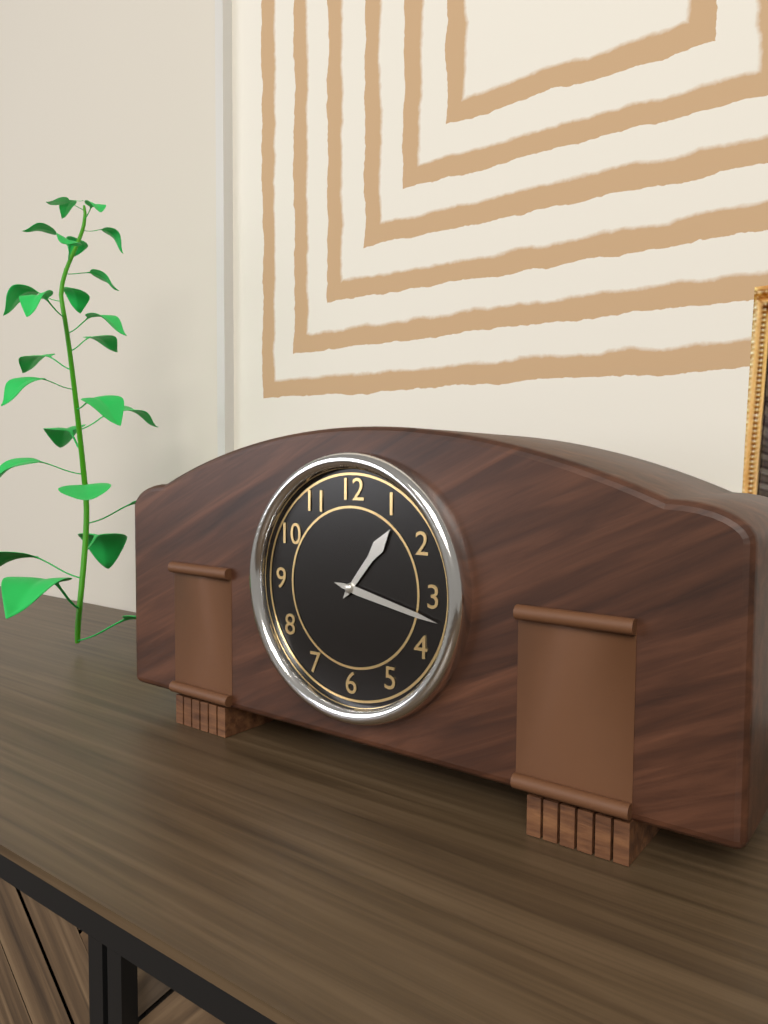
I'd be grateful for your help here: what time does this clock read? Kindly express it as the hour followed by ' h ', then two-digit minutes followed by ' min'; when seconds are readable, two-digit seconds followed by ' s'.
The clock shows 1 h 17 min
